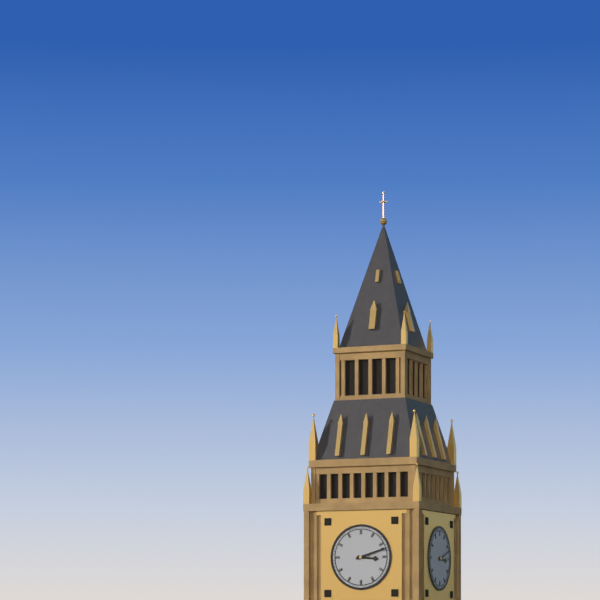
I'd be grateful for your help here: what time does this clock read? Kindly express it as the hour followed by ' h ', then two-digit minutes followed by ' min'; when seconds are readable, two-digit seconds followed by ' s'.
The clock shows 3 h 12 min
